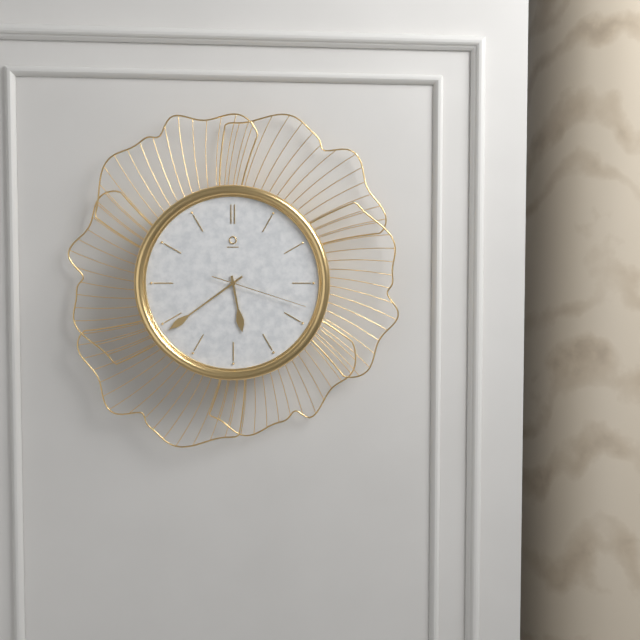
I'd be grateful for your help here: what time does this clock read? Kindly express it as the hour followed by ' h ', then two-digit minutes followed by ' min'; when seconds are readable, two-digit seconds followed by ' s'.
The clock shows 5 h 39 min 18 s
